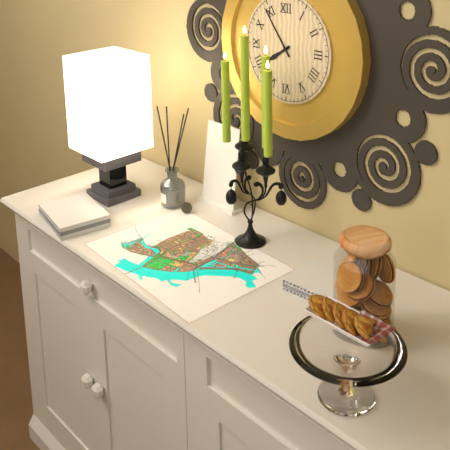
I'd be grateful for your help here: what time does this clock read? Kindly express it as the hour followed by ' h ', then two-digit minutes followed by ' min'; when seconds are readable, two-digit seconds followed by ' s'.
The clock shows 7 h 54 min
